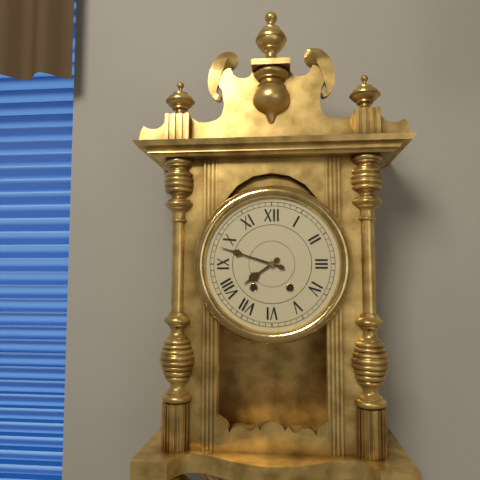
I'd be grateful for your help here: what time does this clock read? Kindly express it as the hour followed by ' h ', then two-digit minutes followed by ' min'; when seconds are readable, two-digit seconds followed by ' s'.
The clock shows 7 h 48 min
